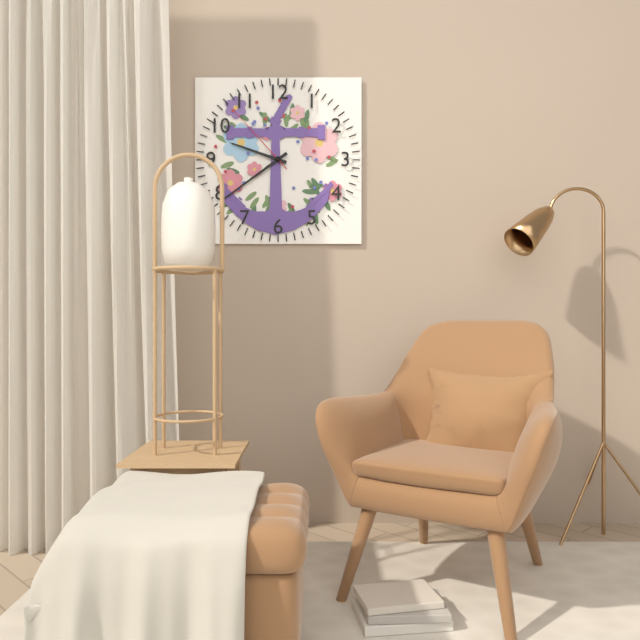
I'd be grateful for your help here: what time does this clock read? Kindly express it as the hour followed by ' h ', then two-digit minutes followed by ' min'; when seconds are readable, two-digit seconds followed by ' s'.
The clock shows 9 h 39 min 53 s
